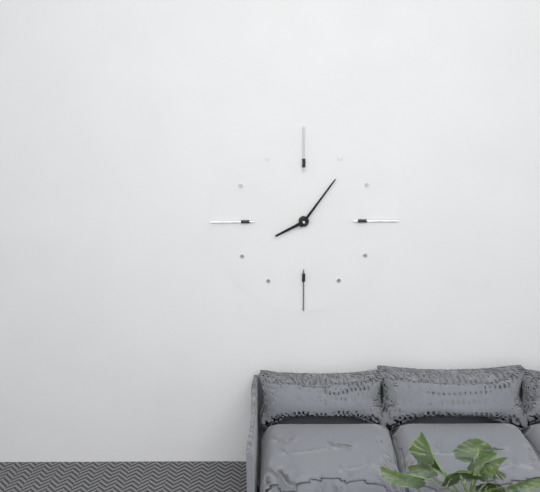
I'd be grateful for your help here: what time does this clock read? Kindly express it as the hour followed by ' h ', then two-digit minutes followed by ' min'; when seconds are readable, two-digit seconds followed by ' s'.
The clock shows 8 h 06 min
